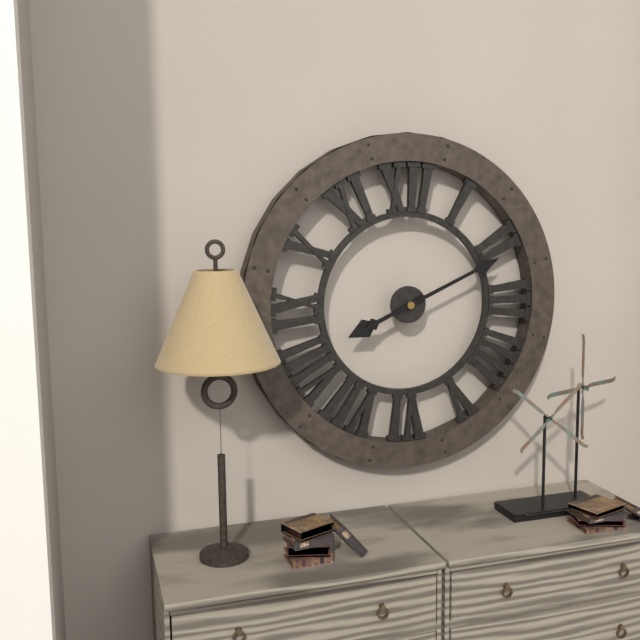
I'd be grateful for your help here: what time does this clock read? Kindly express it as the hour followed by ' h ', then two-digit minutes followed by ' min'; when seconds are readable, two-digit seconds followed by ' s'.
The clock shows 8 h 11 min
